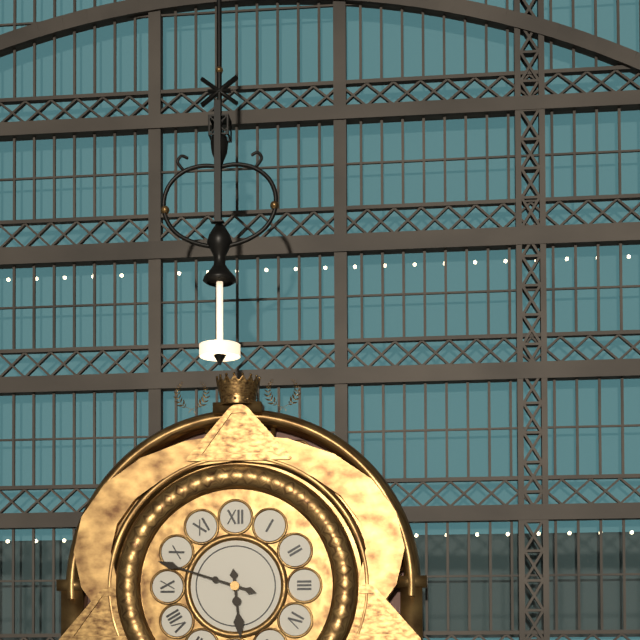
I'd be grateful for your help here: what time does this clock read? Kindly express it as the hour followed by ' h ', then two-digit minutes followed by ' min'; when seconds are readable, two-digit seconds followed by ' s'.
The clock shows 5 h 48 min
